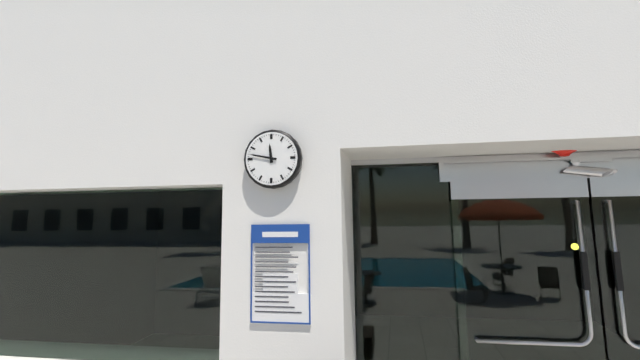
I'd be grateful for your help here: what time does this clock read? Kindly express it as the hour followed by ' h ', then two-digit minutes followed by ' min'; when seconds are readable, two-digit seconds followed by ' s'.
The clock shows 11 h 47 min
